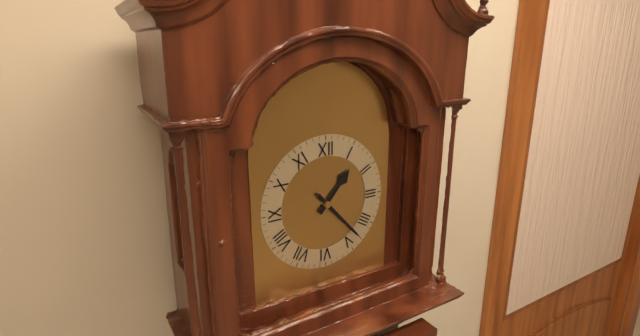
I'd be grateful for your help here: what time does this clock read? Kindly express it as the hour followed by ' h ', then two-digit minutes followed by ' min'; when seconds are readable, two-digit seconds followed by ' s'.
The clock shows 1 h 23 min
